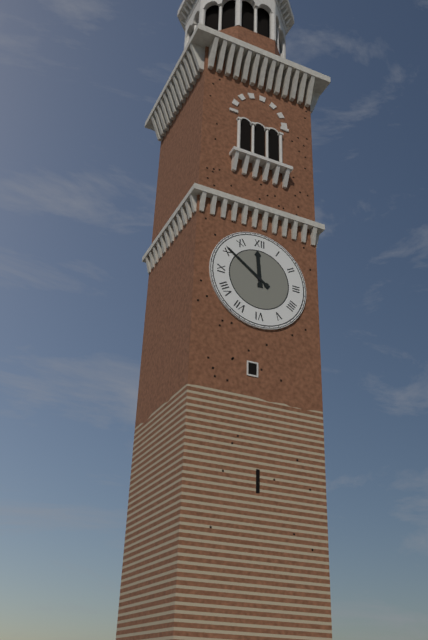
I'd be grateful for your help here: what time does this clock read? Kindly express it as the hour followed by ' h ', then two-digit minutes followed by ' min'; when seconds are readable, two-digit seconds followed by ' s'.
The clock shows 11 h 51 min
